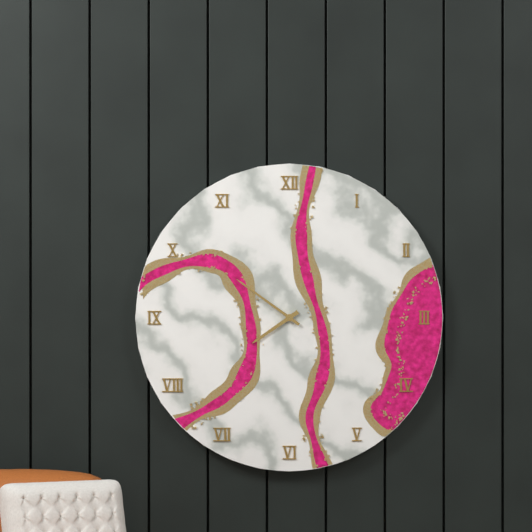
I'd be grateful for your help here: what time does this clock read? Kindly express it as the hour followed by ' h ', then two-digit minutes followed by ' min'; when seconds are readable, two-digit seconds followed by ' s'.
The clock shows 7 h 51 min
